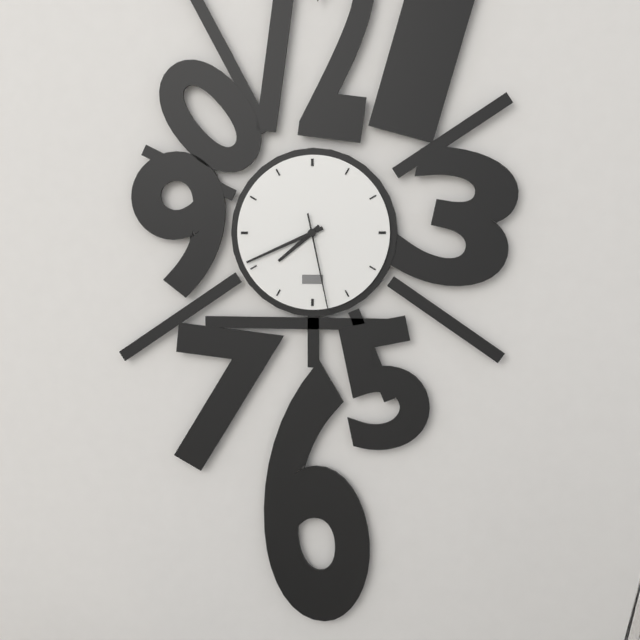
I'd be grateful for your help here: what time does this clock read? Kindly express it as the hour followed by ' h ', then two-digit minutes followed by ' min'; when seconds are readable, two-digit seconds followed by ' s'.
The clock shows 7 h 41 min 28 s
